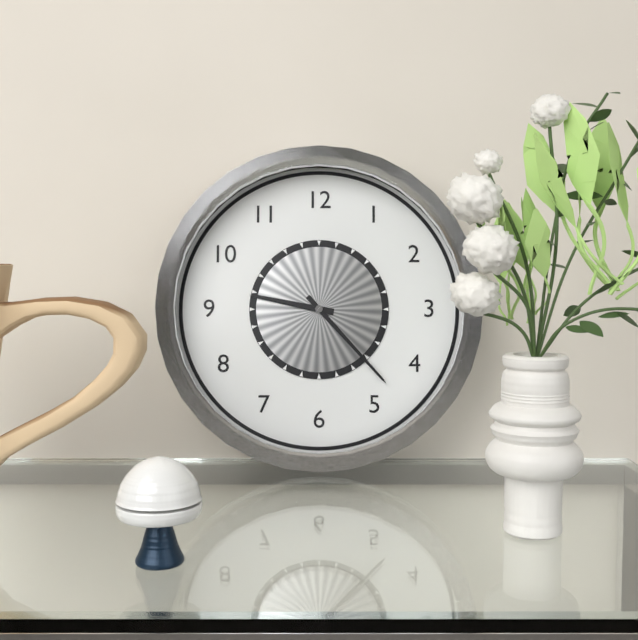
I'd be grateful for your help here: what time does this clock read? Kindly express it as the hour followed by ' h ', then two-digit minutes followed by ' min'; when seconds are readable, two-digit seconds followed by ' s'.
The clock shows 9 h 23 min
